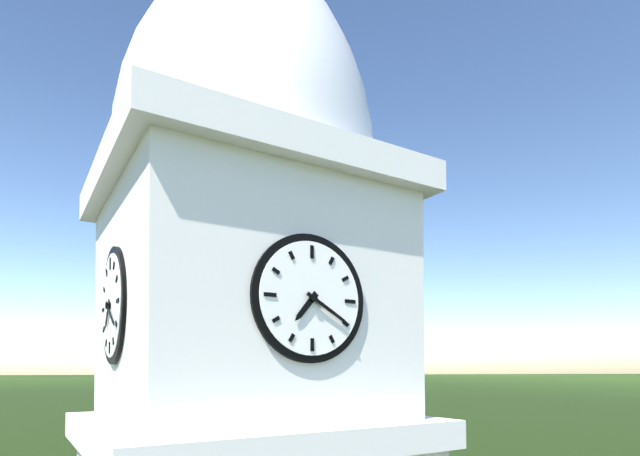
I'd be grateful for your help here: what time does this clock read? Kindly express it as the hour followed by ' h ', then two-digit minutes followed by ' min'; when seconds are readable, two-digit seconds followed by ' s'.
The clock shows 7 h 20 min
